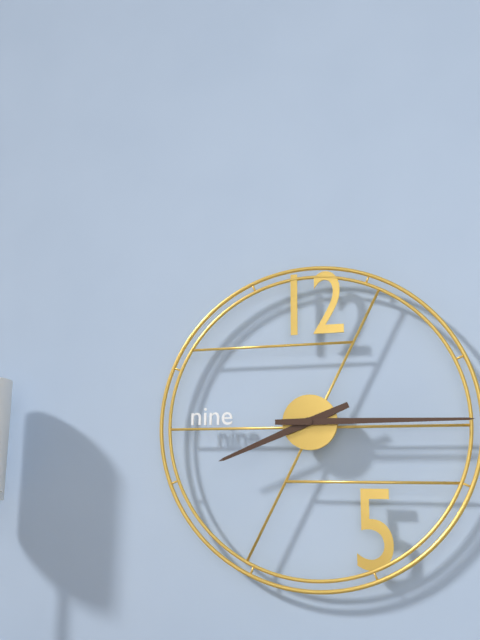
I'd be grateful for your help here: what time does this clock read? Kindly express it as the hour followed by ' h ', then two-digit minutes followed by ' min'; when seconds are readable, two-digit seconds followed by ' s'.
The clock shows 8 h 15 min
